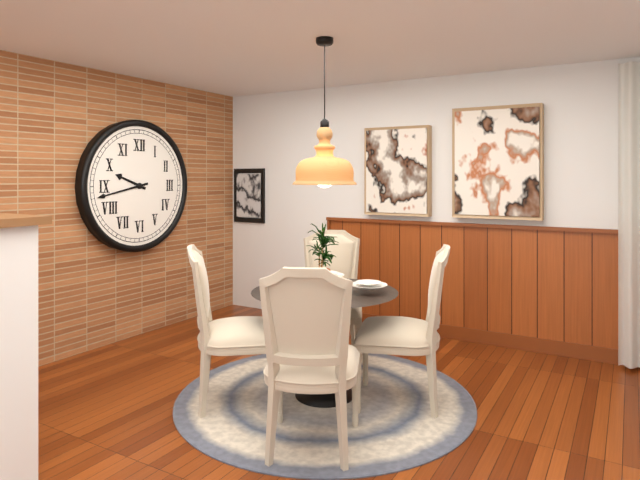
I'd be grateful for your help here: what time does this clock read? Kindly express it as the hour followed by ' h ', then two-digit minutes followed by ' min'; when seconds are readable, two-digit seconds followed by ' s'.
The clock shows 9 h 43 min
